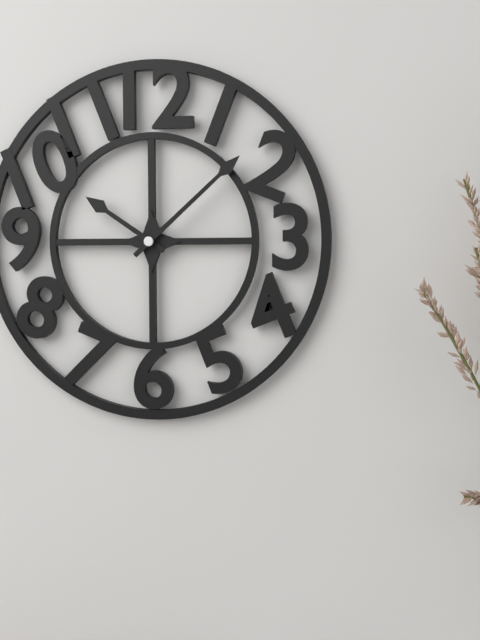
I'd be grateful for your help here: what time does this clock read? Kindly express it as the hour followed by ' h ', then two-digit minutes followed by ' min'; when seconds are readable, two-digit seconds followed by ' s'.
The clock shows 10 h 08 min
